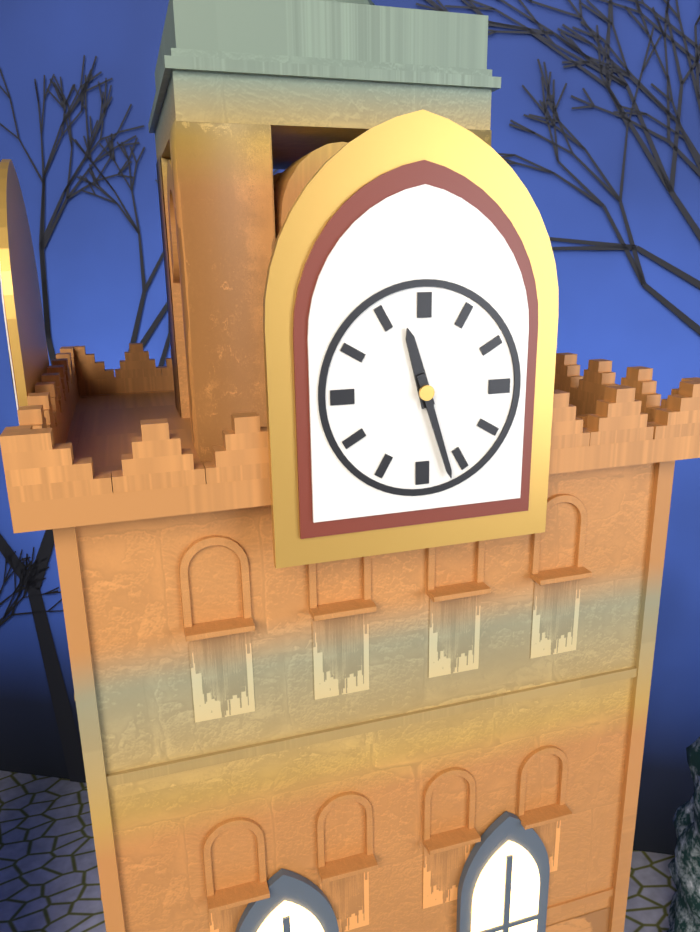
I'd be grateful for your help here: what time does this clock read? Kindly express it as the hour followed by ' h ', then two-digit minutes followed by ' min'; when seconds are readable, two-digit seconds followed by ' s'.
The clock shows 11 h 27 min
